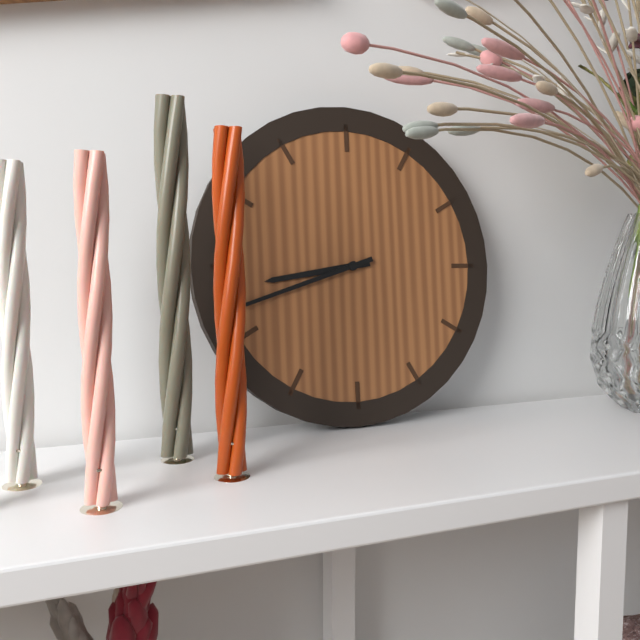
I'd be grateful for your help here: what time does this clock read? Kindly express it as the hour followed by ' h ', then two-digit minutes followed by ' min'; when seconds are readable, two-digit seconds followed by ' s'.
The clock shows 8 h 42 min
